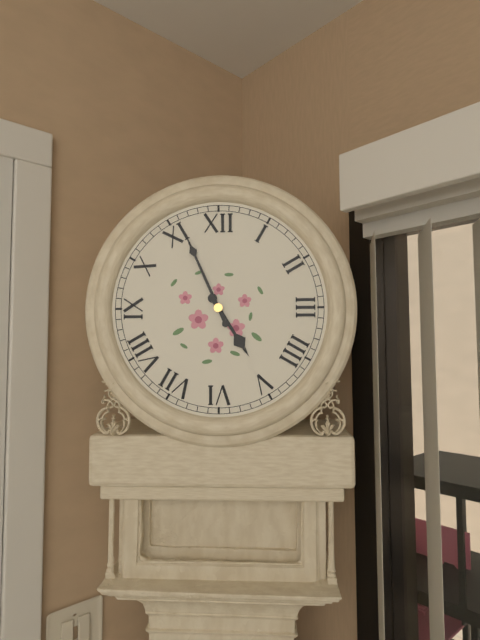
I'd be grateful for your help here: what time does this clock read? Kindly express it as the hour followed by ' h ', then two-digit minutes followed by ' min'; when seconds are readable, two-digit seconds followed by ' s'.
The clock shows 4 h 56 min
